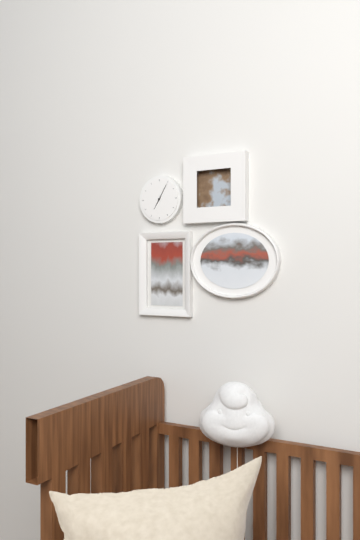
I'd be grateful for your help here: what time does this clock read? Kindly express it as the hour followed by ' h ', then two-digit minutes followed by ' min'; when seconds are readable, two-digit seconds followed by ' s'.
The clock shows 7 h 05 min
